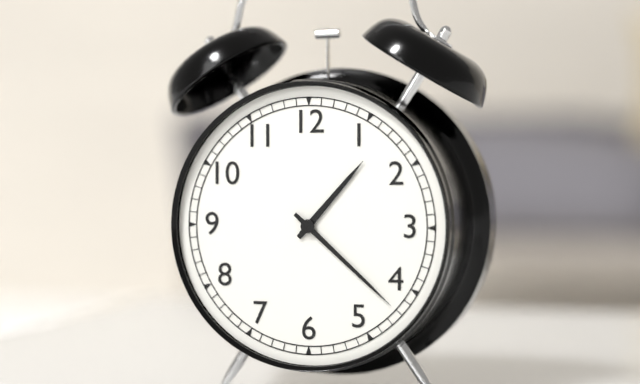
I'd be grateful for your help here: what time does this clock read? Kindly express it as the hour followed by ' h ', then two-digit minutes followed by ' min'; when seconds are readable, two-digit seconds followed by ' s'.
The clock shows 1 h 22 min
